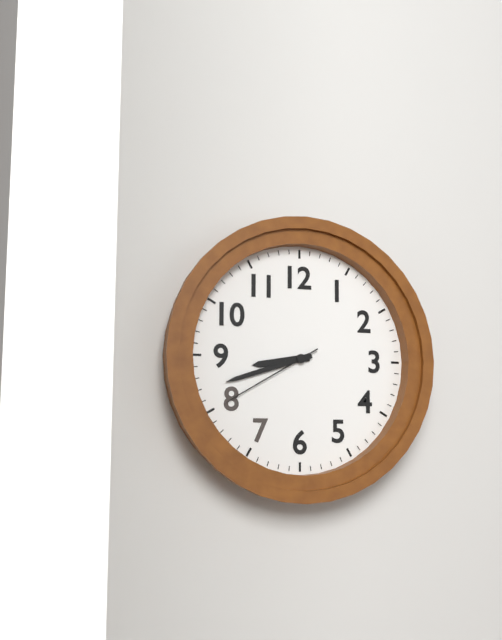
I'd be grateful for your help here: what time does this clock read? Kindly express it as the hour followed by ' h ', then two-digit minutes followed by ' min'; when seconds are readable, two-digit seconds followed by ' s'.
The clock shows 8 h 42 min 40 s
